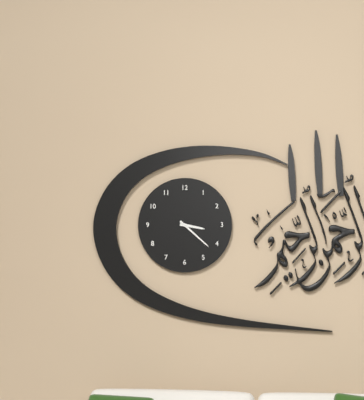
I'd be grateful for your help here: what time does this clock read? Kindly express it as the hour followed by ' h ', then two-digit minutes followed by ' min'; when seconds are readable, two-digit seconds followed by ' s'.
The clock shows 3 h 22 min
